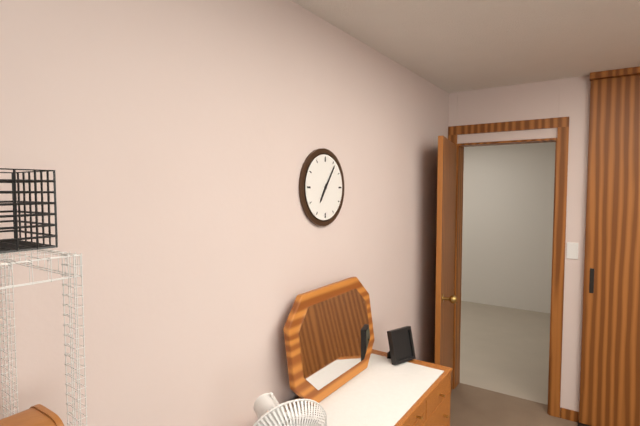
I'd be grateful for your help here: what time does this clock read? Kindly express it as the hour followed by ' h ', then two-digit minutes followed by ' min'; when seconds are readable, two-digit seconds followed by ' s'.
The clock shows 7 h 06 min
